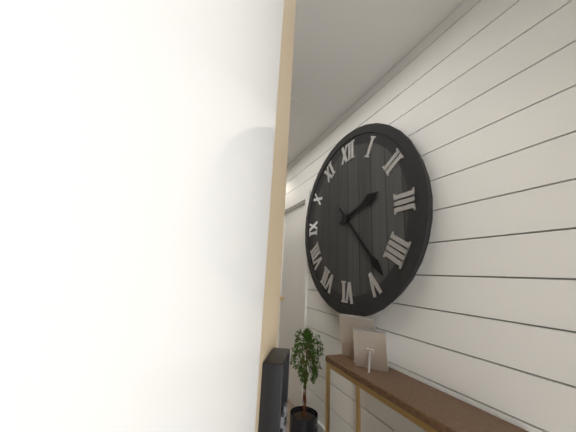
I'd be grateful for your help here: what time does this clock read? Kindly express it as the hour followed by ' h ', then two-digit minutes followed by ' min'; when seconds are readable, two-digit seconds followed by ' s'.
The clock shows 2 h 23 min
